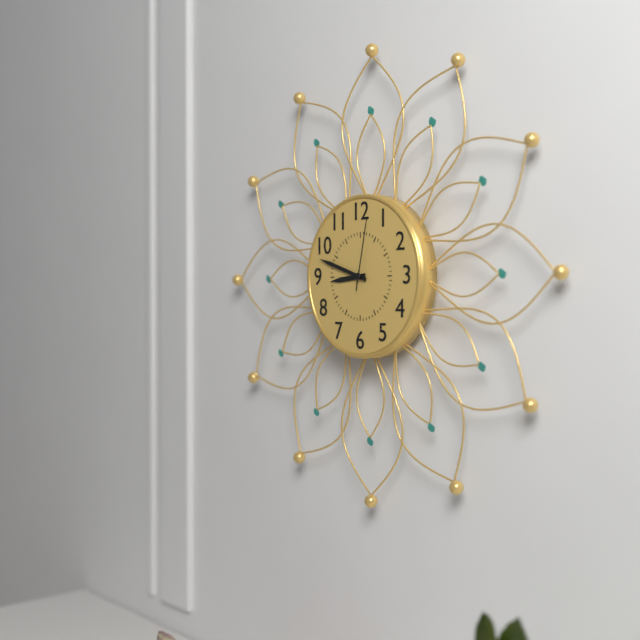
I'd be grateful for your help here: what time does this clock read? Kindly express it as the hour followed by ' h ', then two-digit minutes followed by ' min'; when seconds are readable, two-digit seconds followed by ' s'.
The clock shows 8 h 48 min 02 s
